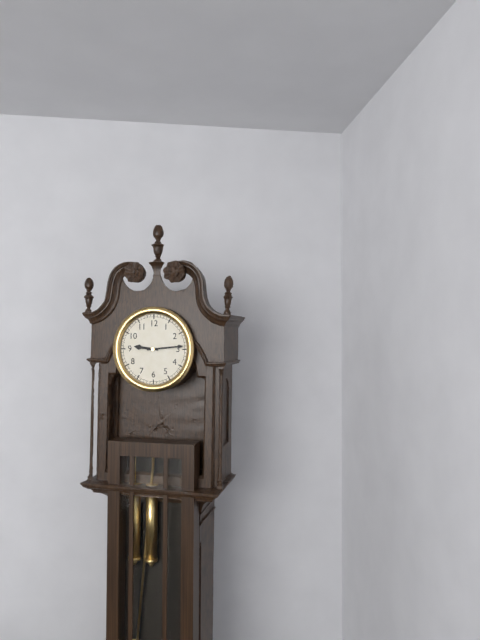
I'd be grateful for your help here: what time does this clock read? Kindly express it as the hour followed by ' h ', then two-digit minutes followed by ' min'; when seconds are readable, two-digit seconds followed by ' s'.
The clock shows 9 h 14 min
